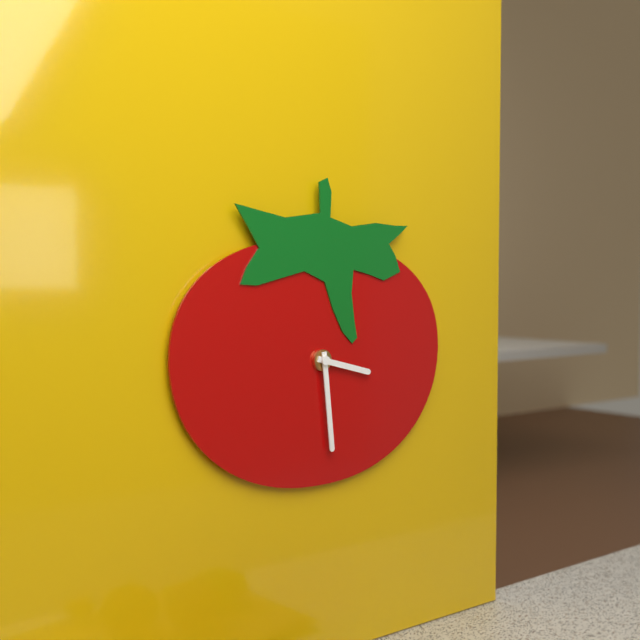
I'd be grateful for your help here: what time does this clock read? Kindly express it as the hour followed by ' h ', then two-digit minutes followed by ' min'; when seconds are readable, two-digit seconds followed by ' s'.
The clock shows 3 h 29 min
